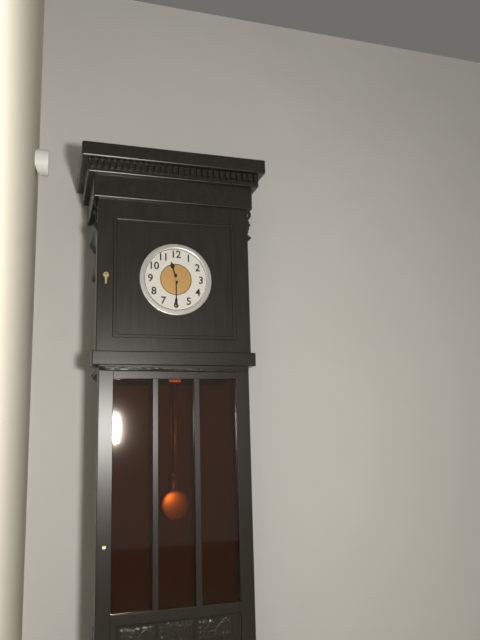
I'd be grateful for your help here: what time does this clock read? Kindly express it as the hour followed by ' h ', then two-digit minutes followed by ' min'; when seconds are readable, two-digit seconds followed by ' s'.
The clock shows 11 h 30 min
